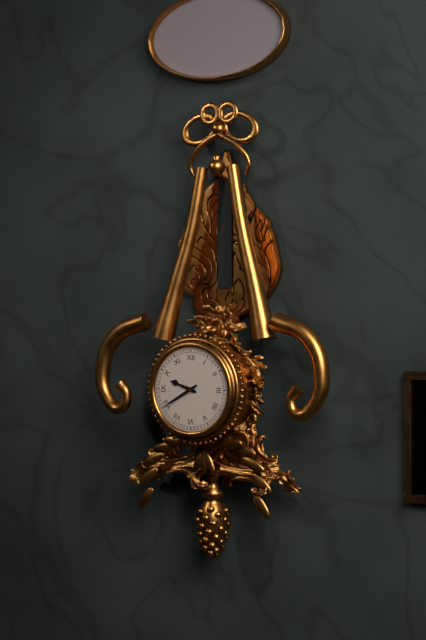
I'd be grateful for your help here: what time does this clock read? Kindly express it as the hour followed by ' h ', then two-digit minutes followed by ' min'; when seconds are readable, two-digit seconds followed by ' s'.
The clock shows 9 h 40 min
